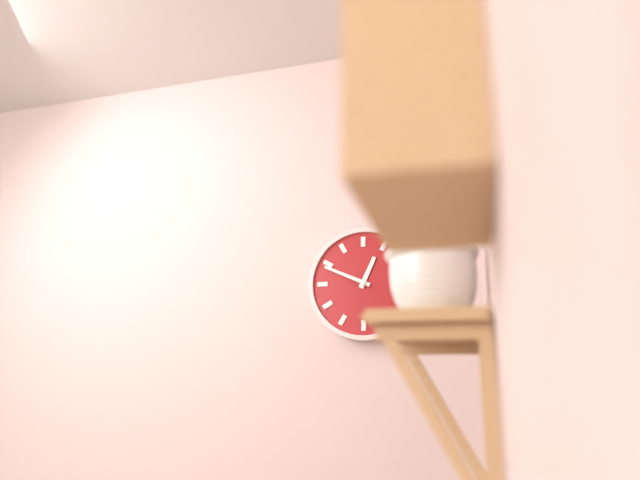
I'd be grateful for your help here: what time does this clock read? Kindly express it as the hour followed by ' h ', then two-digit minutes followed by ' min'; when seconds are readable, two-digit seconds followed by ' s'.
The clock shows 12 h 49 min
